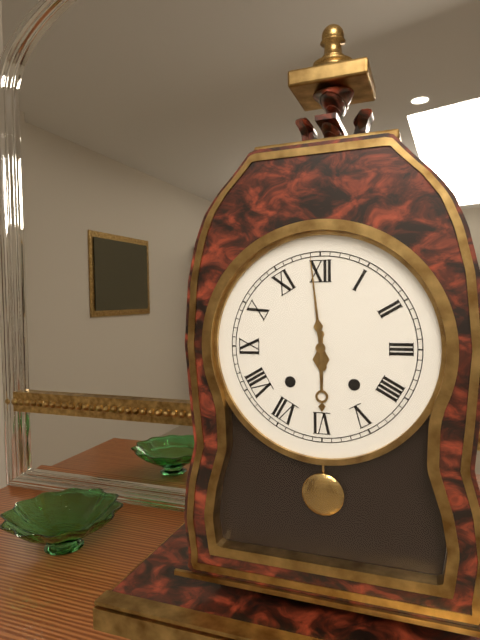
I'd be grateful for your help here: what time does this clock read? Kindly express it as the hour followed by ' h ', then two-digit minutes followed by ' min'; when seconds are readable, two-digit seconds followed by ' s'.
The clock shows 5 h 59 min
